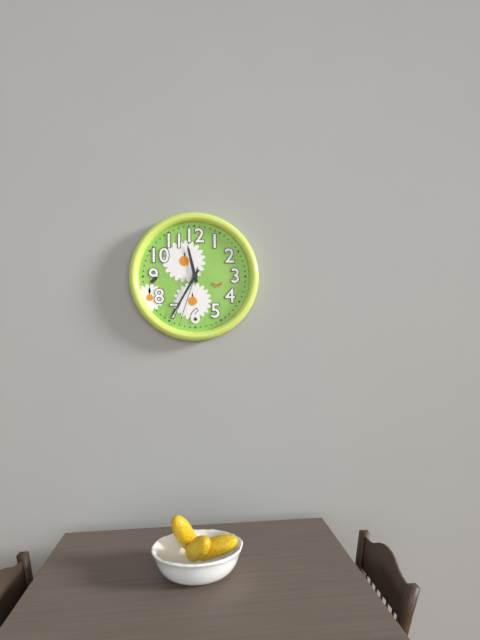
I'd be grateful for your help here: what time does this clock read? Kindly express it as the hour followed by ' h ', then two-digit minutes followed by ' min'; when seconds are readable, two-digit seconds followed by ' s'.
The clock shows 11 h 35 min 33 s
